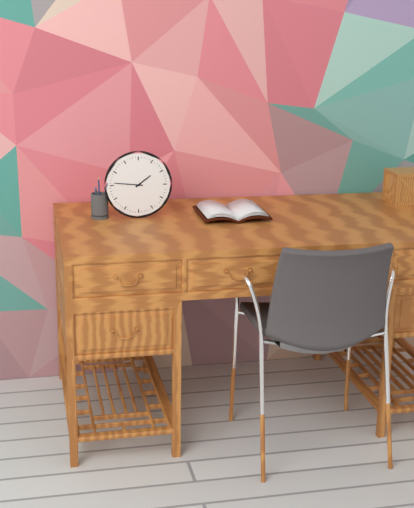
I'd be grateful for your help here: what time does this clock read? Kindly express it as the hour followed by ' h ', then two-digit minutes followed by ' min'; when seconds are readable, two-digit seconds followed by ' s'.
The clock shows 1 h 46 min
